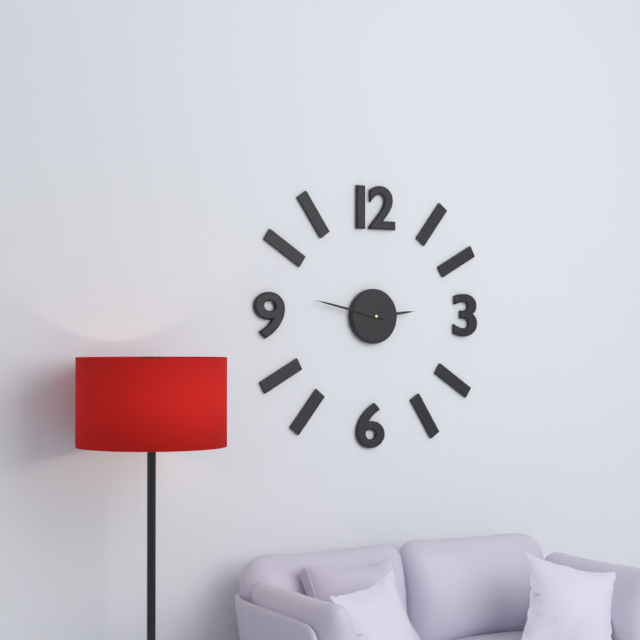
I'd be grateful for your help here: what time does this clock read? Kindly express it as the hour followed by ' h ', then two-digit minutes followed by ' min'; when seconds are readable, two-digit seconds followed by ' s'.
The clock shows 2 h 47 min 47 s
